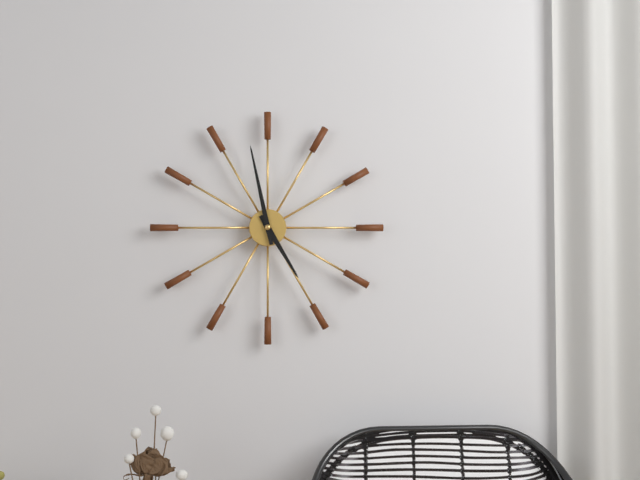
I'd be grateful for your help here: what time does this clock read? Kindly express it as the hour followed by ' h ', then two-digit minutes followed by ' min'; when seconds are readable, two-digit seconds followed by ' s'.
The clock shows 4 h 58 min
